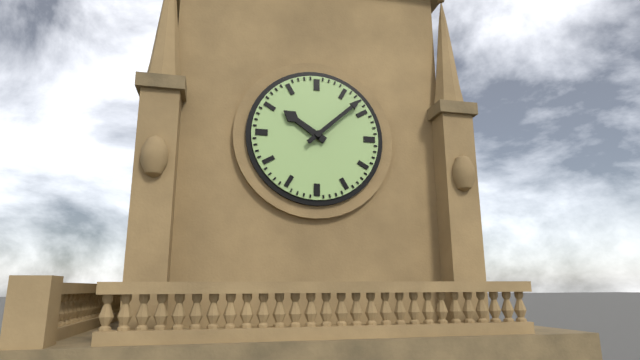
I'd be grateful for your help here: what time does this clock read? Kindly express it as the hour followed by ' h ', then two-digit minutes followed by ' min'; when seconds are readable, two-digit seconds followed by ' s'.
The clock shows 10 h 08 min
